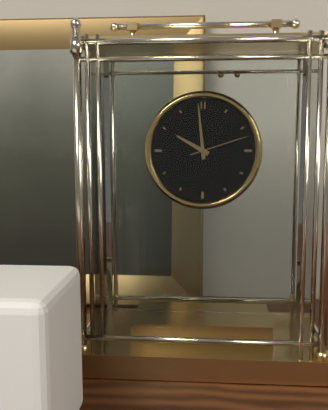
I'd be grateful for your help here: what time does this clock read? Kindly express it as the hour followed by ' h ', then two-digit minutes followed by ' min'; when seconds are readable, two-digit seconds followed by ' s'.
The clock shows 9 h 59 min 12 s
